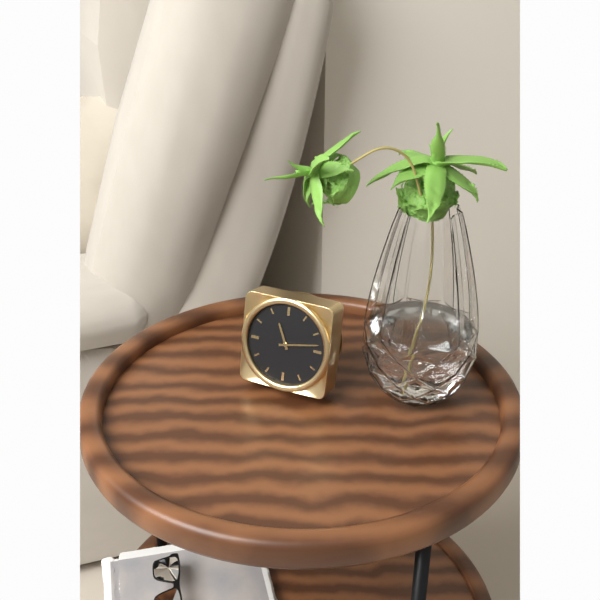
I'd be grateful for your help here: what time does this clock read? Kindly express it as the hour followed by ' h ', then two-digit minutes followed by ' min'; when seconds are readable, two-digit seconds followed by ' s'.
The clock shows 11 h 13 min
